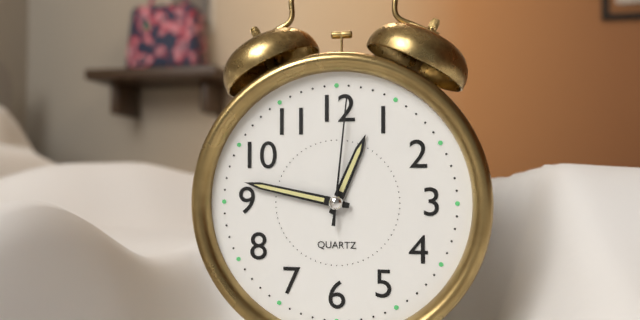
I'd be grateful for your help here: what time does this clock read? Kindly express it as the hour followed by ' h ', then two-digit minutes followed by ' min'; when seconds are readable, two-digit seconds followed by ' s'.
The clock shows 12 h 47 min 01 s
